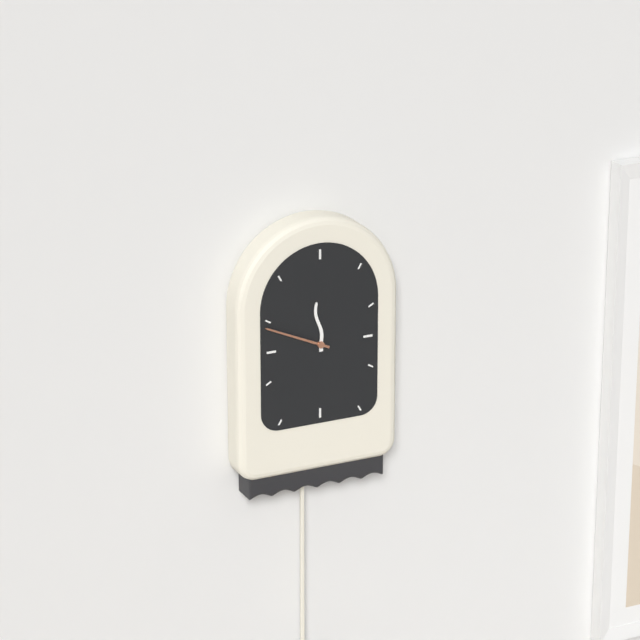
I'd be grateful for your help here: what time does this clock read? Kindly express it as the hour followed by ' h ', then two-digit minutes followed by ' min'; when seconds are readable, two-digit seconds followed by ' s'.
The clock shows 11 h 49 min
